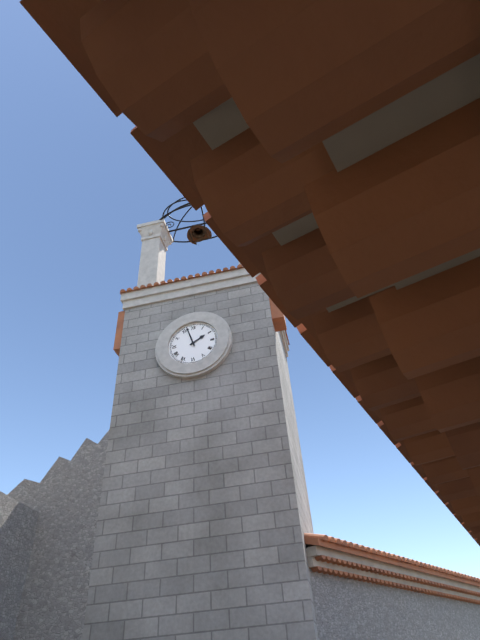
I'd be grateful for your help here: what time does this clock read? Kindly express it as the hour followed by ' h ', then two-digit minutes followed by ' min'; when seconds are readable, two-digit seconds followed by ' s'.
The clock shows 1 h 57 min
